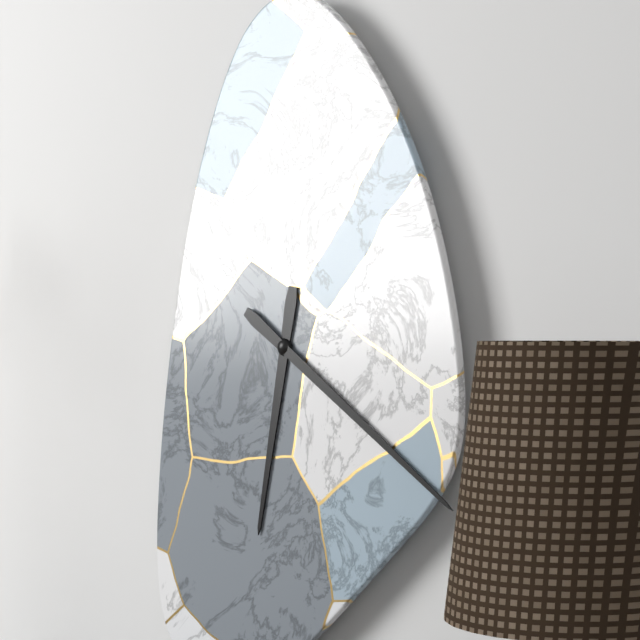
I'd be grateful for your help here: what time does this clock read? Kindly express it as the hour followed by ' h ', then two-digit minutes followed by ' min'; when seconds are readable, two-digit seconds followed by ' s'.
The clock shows 6 h 21 min
